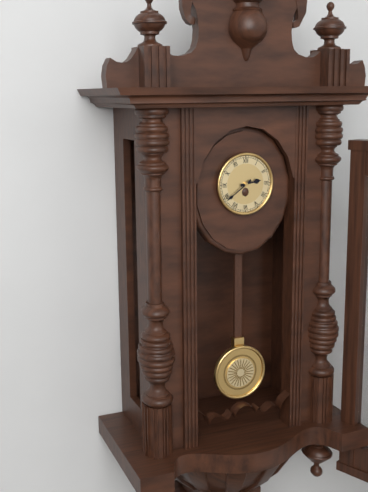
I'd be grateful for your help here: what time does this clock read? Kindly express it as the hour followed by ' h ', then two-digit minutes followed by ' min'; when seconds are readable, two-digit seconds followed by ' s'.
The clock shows 2 h 39 min
